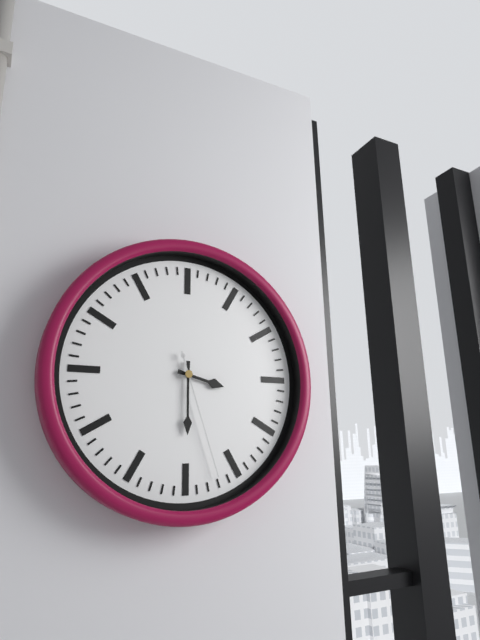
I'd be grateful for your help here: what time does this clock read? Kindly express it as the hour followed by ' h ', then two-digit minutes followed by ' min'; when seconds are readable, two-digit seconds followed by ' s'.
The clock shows 3 h 30 min 27 s
